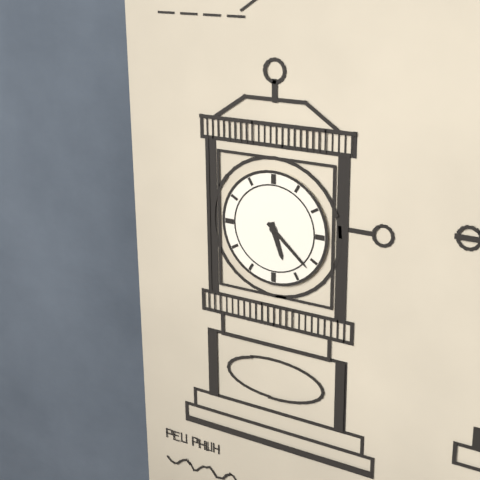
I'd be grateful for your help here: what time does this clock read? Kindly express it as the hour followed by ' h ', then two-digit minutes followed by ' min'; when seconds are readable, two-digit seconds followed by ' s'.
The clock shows 5 h 22 min
